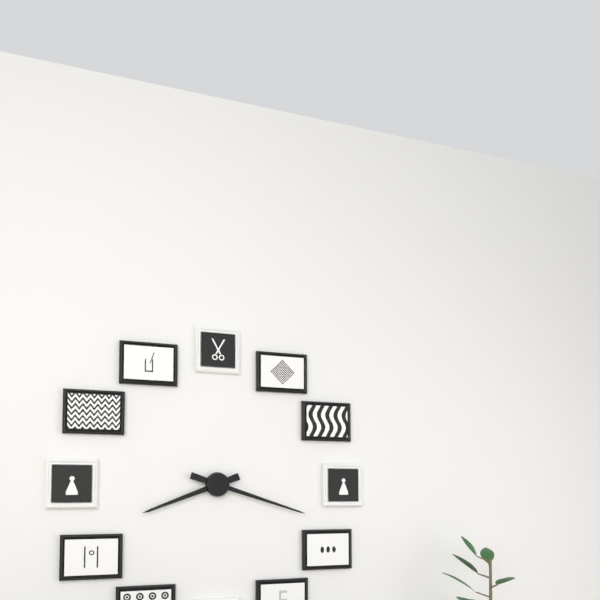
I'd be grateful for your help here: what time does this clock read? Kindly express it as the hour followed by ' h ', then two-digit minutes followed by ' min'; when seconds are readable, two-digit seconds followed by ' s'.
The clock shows 8 h 18 min
